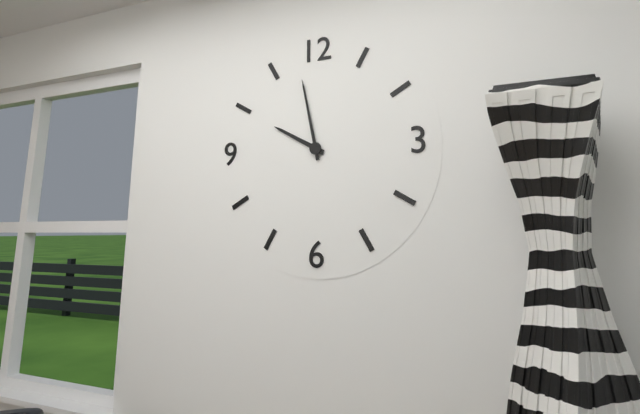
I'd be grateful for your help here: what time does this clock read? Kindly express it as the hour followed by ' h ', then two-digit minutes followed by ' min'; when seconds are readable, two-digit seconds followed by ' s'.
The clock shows 9 h 58 min
